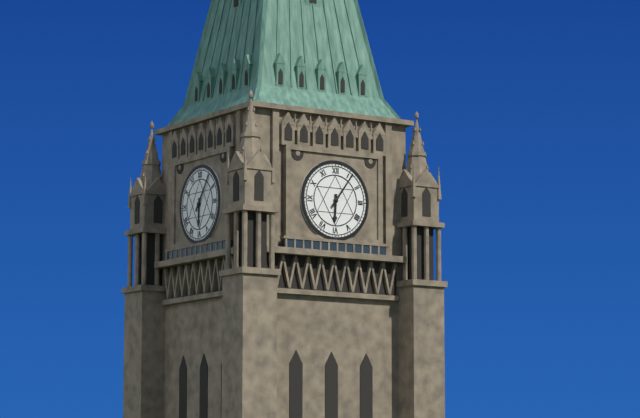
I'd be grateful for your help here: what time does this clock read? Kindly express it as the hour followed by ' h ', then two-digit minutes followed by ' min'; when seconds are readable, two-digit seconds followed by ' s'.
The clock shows 6 h 06 min
